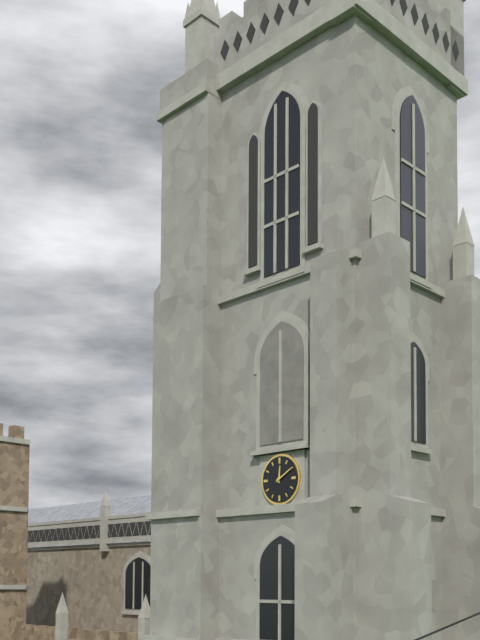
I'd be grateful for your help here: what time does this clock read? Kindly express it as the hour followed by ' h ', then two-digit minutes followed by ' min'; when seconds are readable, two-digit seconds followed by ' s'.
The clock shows 12 h 10 min
